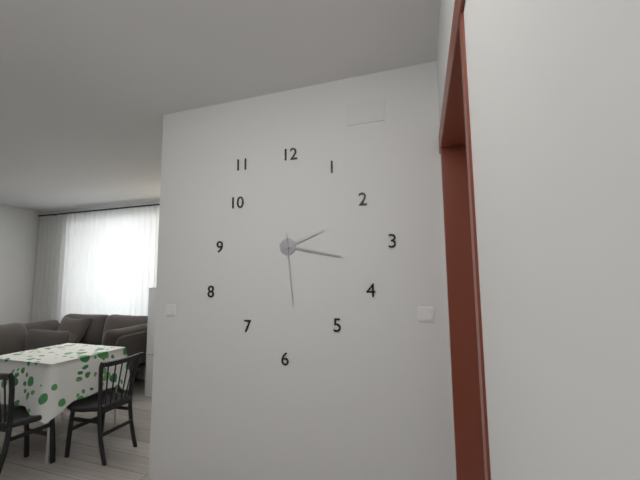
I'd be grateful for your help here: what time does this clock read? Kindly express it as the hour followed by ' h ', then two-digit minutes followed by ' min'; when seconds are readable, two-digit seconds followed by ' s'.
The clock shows 2 h 17 min 29 s
